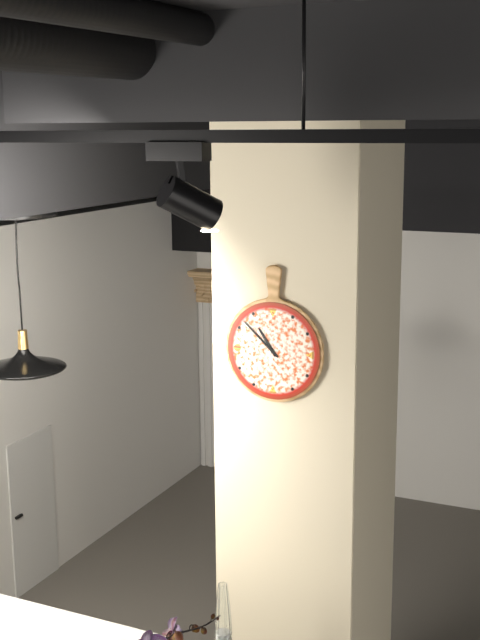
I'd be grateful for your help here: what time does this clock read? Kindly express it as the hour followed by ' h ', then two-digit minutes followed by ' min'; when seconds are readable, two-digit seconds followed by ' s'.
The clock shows 10 h 52 min
